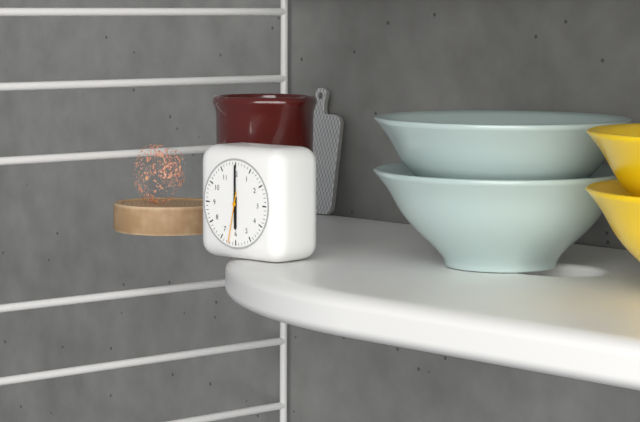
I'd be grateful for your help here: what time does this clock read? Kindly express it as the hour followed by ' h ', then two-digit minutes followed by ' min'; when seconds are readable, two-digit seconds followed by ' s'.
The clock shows 6 h 00 min
